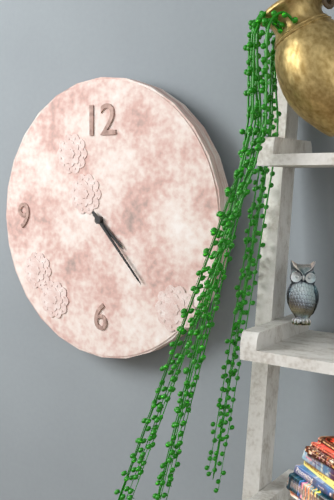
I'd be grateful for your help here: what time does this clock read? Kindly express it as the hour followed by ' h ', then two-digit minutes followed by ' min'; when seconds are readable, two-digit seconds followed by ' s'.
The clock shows 4 h 23 min
